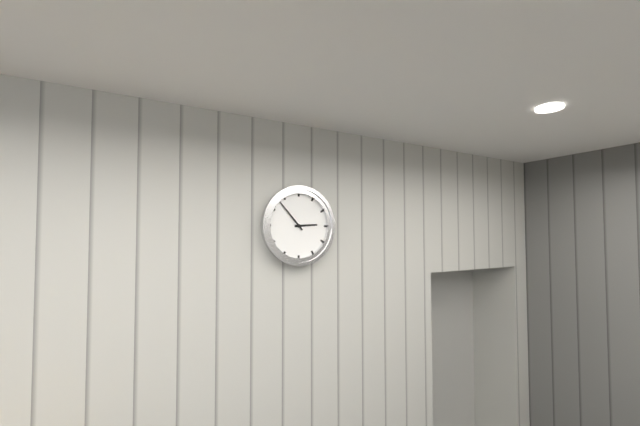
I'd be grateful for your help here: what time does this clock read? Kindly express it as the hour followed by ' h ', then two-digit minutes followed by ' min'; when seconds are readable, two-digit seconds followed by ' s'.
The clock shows 2 h 53 min
